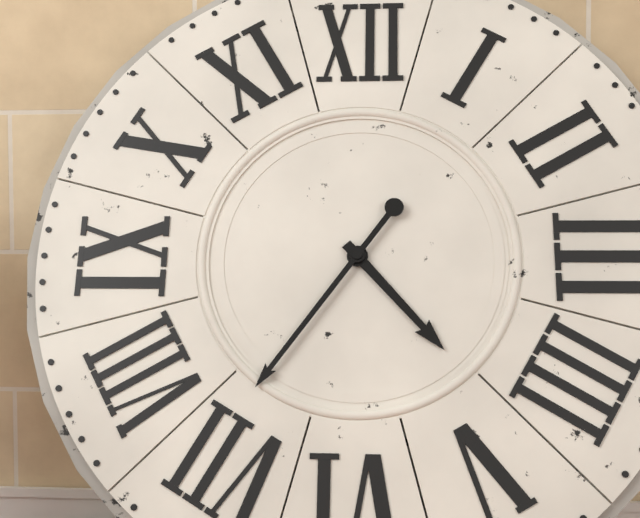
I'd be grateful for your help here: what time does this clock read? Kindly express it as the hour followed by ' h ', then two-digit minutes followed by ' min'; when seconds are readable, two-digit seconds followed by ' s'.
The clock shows 4 h 36 min
